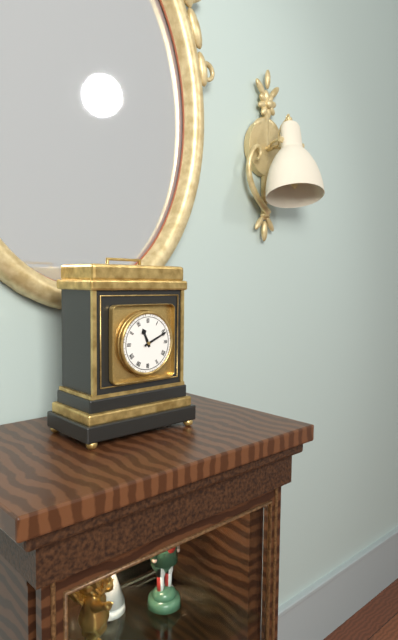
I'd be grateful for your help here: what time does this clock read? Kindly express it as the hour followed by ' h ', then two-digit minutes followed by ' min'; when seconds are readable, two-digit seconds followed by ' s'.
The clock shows 11 h 11 min
